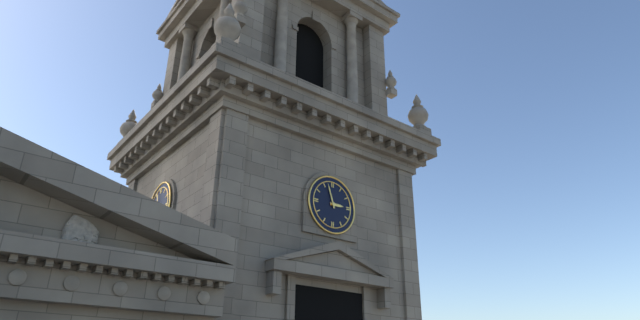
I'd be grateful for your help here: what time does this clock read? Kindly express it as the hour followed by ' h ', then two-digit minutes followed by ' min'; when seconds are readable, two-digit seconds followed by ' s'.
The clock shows 2 h 57 min
